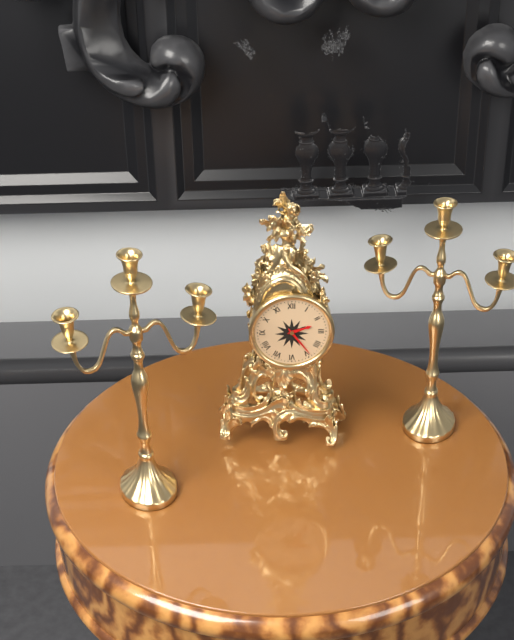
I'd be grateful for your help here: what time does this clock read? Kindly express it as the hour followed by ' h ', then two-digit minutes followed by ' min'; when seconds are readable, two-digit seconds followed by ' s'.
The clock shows 2 h 24 min
